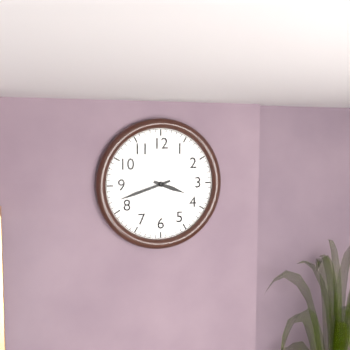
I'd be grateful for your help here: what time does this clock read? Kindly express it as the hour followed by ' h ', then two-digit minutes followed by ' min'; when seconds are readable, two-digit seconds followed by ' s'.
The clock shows 3 h 42 min
